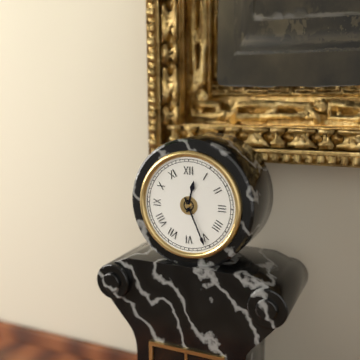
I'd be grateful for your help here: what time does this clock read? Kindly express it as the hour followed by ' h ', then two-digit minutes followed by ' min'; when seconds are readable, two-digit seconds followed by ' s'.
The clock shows 12 h 26 min
